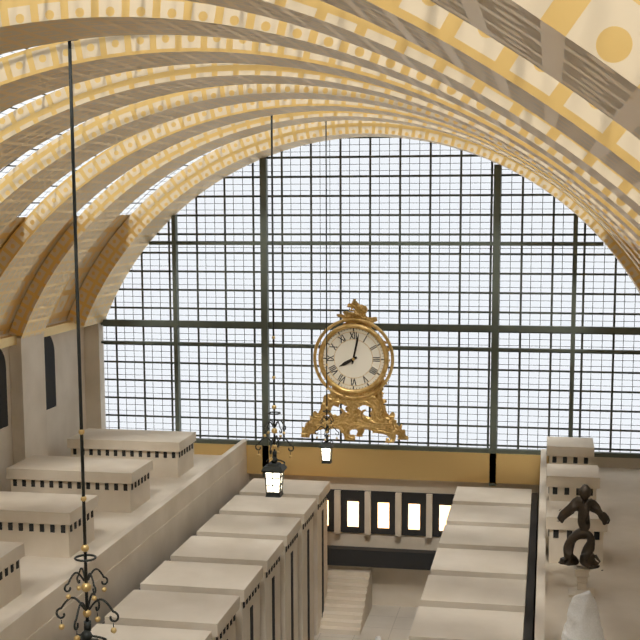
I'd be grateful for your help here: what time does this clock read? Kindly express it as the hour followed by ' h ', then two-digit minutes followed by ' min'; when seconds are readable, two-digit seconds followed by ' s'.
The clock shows 8 h 02 min
